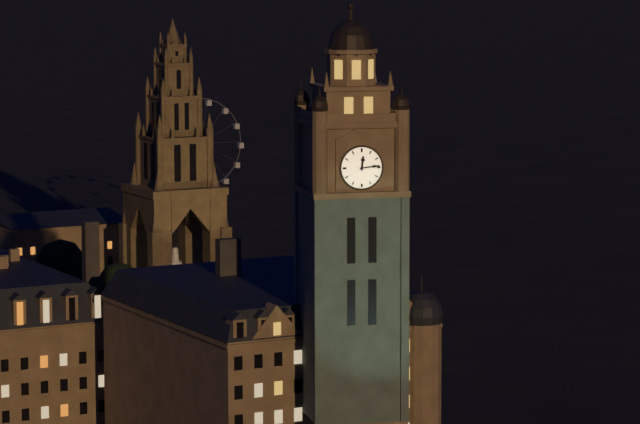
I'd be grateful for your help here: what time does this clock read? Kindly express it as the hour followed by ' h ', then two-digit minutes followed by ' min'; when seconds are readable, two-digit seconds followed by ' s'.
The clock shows 12 h 14 min
